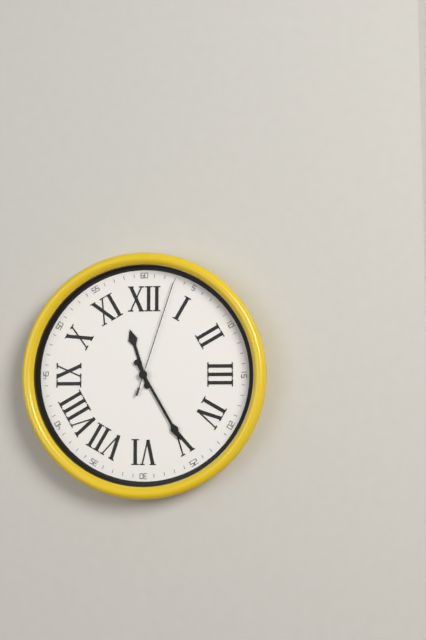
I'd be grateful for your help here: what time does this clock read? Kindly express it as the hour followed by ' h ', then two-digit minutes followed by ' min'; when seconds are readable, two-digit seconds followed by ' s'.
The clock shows 11 h 25 min 03 s
